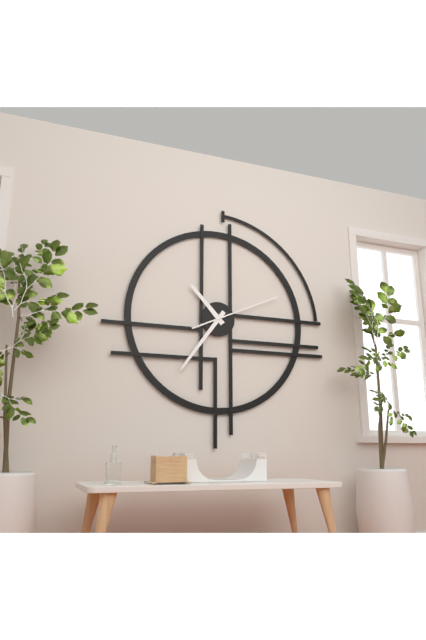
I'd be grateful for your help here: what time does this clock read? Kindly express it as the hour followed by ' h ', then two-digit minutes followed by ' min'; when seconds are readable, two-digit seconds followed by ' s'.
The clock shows 10 h 36 min 11 s
